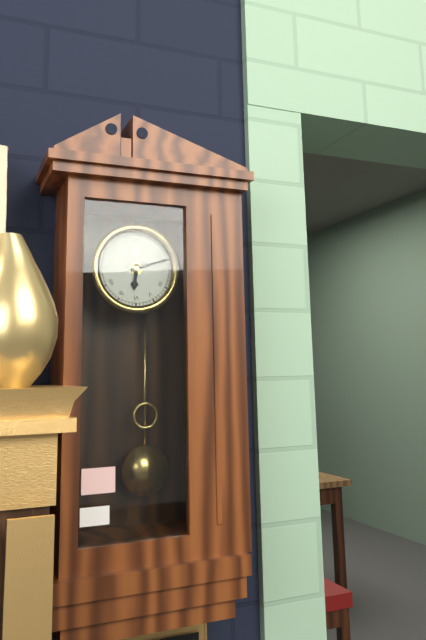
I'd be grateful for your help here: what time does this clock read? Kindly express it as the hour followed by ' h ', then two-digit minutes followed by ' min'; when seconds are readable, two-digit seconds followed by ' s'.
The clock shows 6 h 12 min
